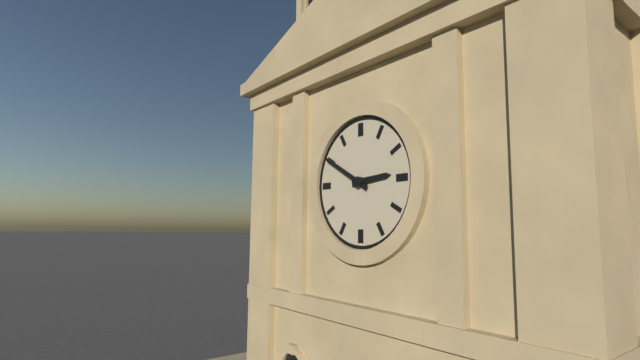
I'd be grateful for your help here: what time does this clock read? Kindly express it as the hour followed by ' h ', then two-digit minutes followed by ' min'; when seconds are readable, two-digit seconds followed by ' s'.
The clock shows 2 h 50 min
